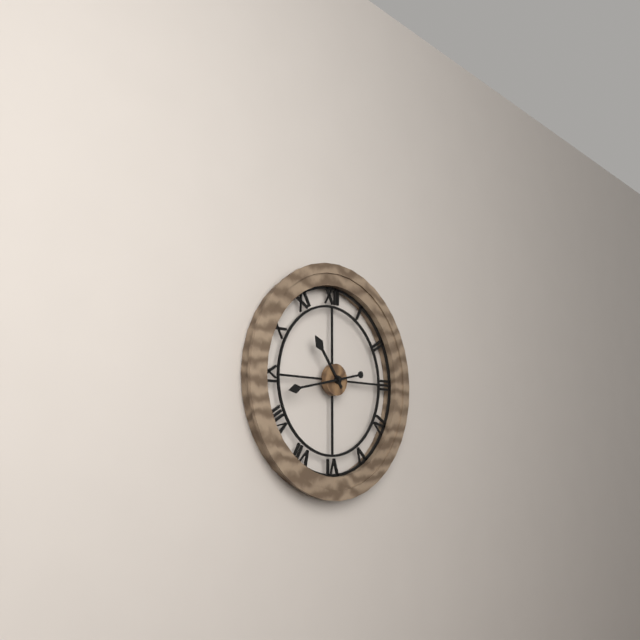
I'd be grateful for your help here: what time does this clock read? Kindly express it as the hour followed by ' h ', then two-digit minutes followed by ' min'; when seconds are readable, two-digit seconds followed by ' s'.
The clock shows 10 h 43 min
